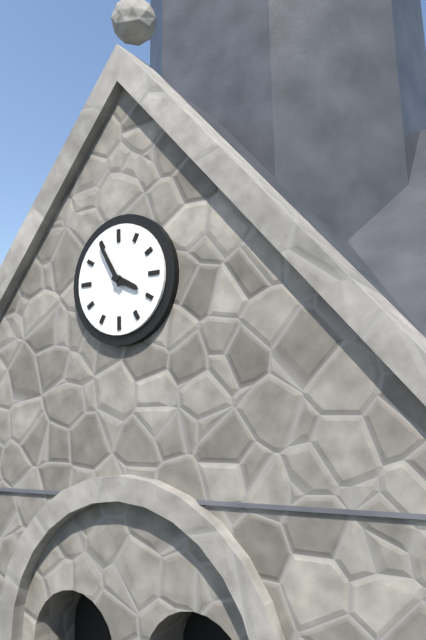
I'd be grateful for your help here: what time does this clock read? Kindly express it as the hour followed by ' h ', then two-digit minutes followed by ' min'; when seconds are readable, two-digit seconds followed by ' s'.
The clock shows 3 h 55 min
